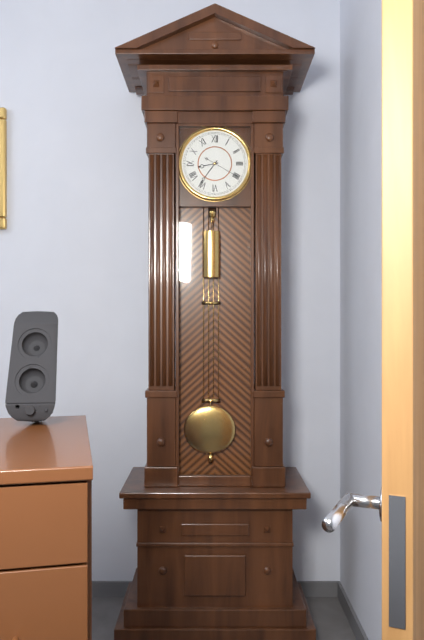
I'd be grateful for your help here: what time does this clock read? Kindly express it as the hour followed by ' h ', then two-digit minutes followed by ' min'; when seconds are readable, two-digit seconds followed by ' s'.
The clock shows 8 h 36 min
